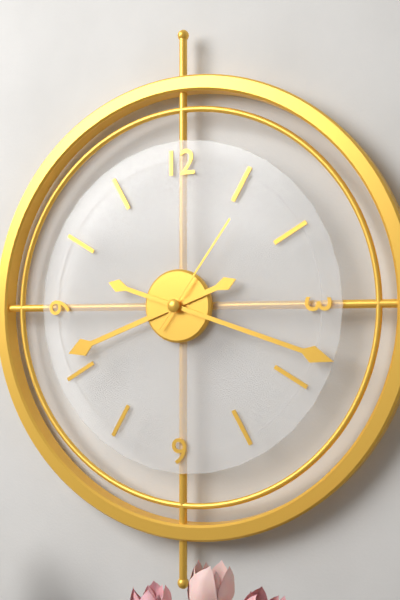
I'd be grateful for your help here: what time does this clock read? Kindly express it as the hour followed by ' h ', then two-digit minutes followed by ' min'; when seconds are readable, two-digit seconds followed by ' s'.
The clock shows 8 h 18 min 06 s
